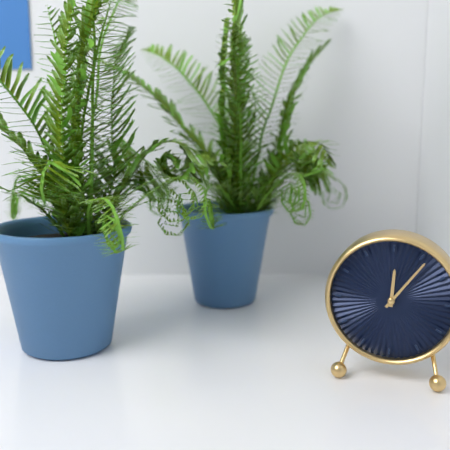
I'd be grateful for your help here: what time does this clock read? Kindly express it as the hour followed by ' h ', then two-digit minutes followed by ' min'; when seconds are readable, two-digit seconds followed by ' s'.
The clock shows 12 h 06 min
